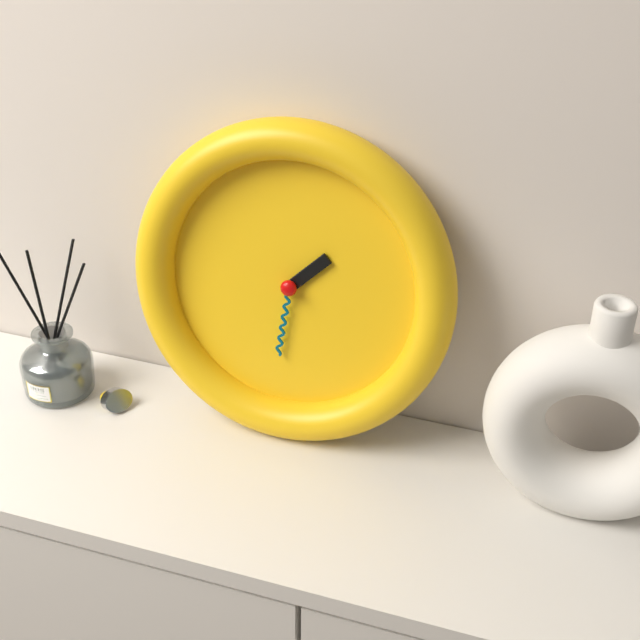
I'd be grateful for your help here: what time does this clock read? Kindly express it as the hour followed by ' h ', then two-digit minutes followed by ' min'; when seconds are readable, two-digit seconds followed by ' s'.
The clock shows 1 h 31 min
